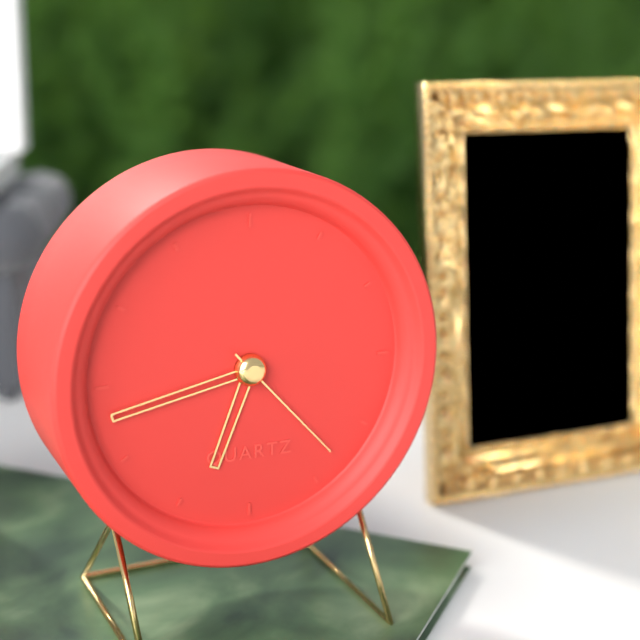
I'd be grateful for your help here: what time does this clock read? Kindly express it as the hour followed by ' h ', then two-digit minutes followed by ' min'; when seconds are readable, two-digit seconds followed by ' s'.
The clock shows 6 h 43 min 23 s
